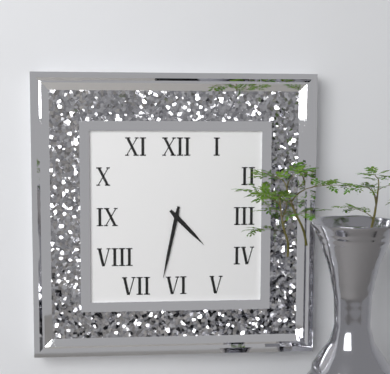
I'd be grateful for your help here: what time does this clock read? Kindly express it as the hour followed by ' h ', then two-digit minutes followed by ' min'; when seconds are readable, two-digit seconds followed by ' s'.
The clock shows 4 h 32 min
